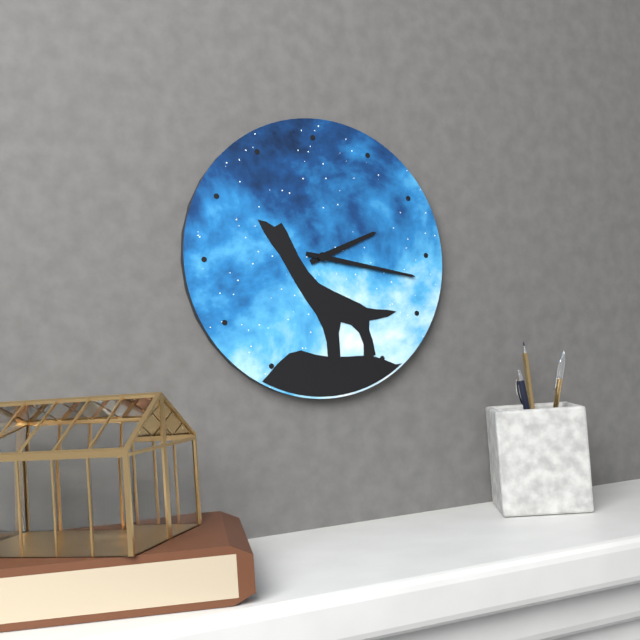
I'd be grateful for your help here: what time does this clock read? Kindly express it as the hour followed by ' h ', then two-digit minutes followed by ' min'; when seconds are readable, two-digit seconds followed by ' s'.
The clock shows 2 h 17 min
